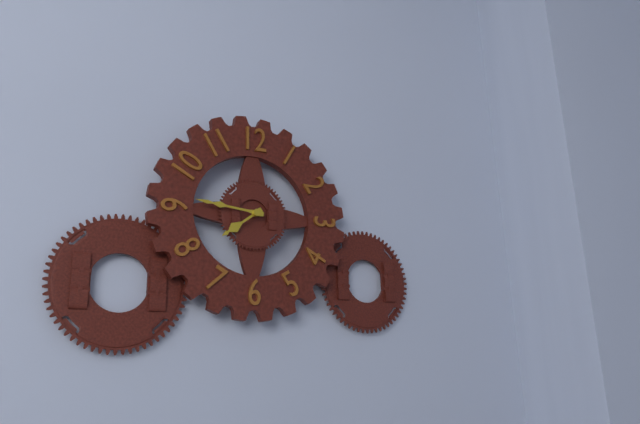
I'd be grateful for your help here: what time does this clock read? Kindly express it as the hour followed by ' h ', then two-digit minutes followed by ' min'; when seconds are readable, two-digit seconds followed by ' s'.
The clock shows 7 h 46 min
